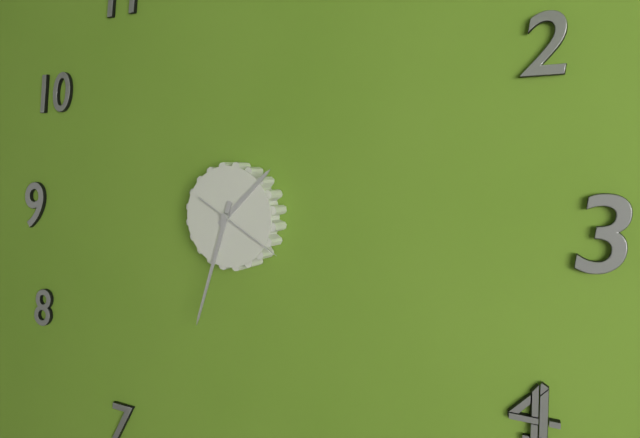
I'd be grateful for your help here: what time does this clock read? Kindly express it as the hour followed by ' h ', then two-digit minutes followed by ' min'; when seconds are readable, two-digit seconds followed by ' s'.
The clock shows 1 h 33 min 20 s
